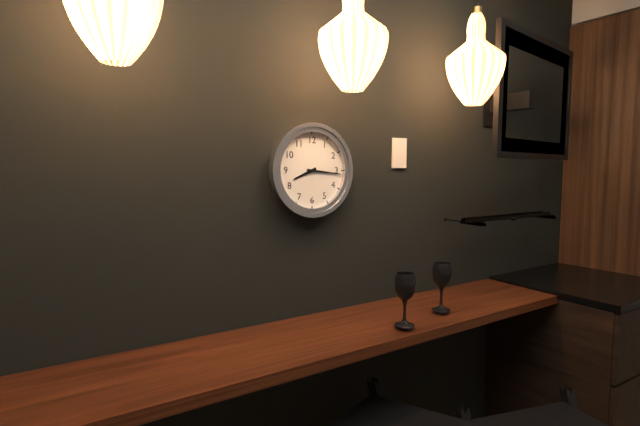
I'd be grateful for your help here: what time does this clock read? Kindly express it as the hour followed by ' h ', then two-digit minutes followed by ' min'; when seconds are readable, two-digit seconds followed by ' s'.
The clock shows 8 h 16 min
